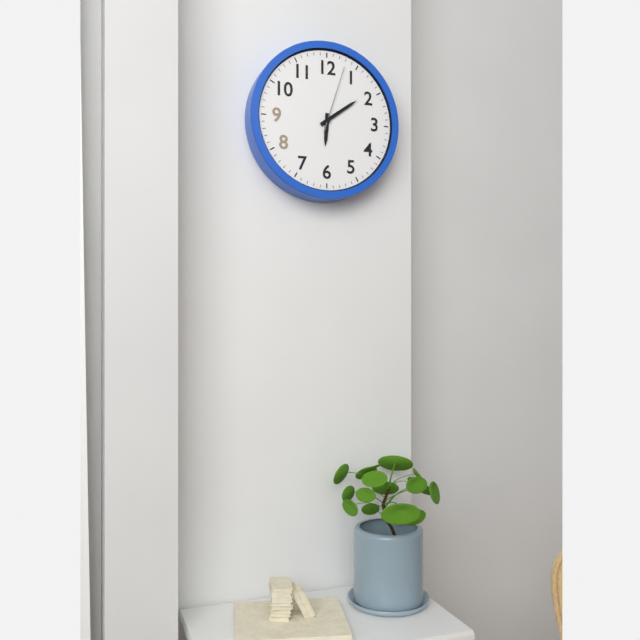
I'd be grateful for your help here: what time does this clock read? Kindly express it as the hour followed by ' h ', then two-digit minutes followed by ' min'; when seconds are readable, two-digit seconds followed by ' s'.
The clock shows 6 h 09 min 03 s
